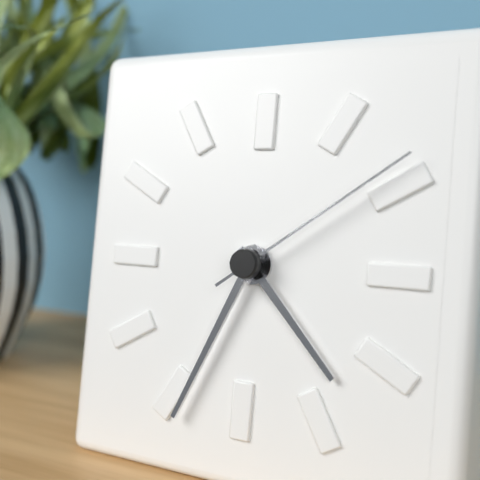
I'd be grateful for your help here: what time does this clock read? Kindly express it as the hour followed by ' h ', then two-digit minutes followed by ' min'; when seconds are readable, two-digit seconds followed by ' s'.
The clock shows 4 h 34 min 09 s
